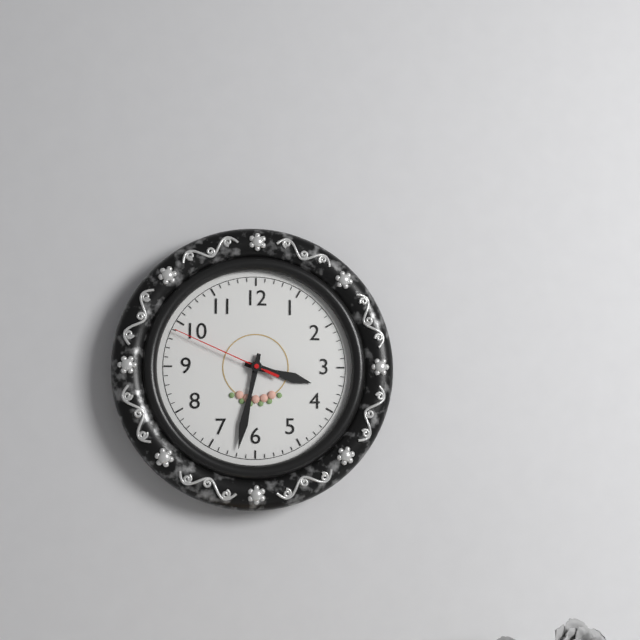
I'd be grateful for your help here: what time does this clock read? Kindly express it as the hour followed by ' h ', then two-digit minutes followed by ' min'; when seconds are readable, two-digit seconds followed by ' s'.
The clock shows 3 h 32 min 49 s
